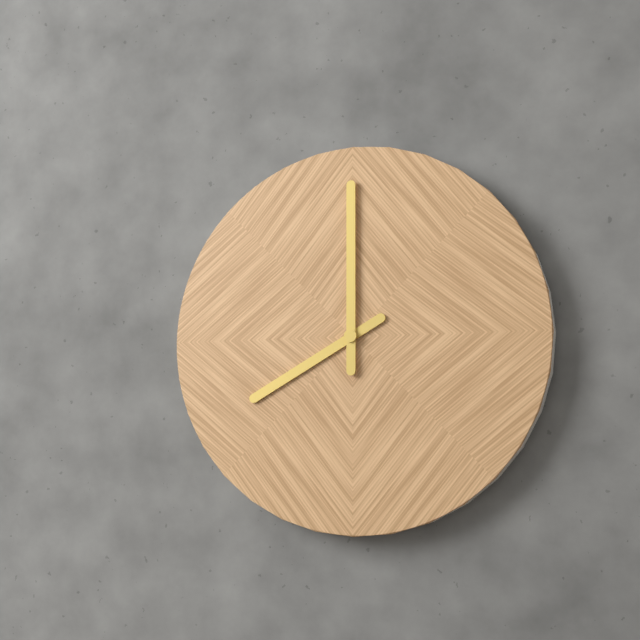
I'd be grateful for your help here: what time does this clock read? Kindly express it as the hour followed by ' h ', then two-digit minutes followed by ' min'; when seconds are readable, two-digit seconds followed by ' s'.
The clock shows 8 h 00 min
